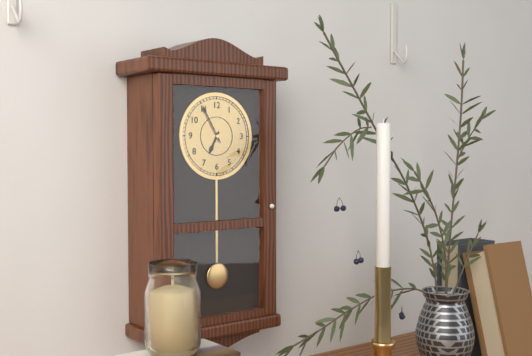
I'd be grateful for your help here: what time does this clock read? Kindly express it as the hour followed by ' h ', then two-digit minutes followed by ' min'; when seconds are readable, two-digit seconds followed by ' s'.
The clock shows 6 h 55 min
